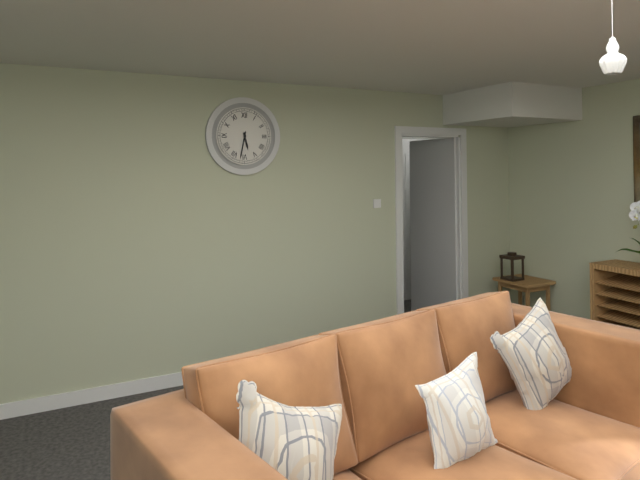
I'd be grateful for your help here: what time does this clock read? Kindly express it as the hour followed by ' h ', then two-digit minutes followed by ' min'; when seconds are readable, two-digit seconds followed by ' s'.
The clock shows 5 h 32 min
